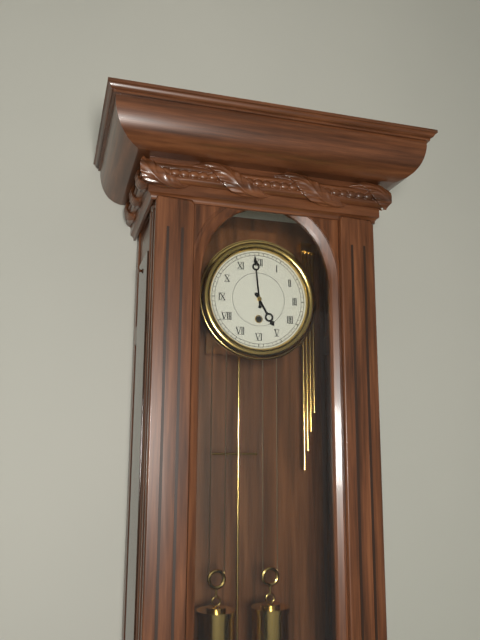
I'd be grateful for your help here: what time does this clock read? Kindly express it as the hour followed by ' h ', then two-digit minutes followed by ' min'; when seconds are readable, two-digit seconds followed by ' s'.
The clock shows 4 h 59 min
